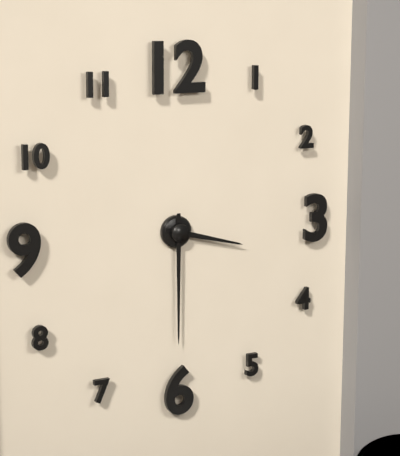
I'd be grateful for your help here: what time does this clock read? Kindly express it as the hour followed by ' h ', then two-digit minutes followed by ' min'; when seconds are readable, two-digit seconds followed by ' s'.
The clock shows 3 h 30 min
